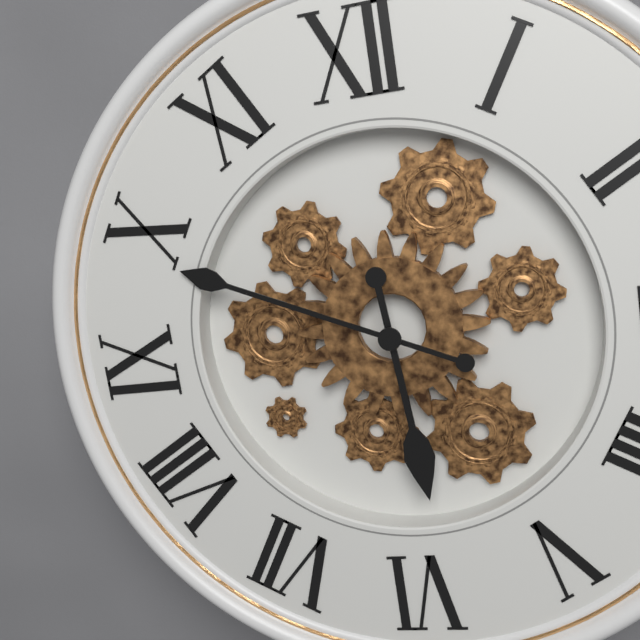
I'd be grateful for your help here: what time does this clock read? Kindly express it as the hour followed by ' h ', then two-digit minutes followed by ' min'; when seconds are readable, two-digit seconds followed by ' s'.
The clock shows 5 h 49 min
